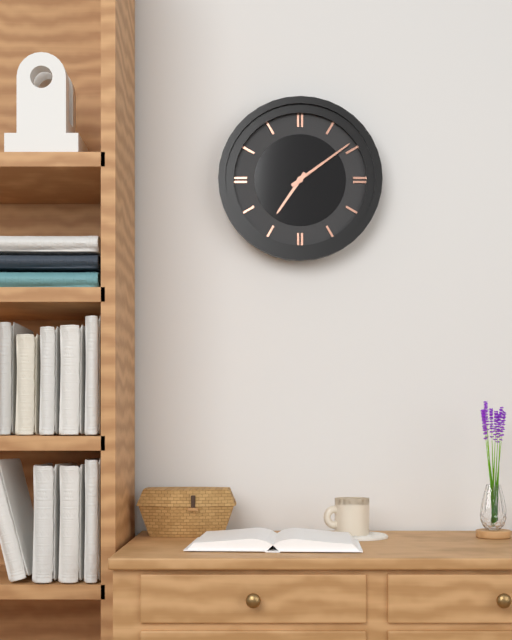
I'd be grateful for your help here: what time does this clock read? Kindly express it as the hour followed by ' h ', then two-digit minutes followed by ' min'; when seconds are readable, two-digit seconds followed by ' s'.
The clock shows 7 h 09 min
